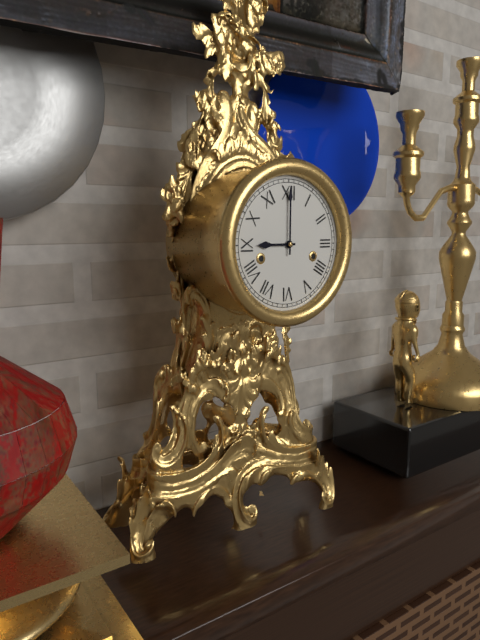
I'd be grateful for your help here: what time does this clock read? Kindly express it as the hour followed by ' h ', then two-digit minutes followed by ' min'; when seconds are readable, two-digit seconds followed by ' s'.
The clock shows 9 h 00 min
